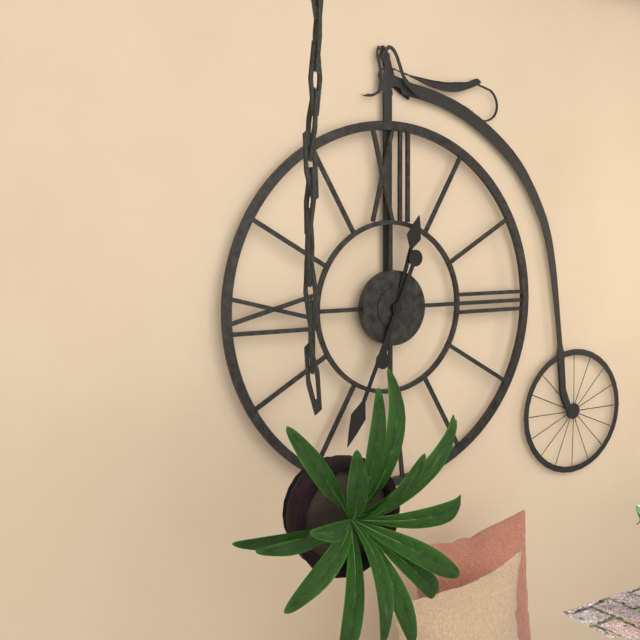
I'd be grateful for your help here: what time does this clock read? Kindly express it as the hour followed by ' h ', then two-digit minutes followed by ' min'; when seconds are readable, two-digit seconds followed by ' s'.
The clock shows 12 h 34 min
